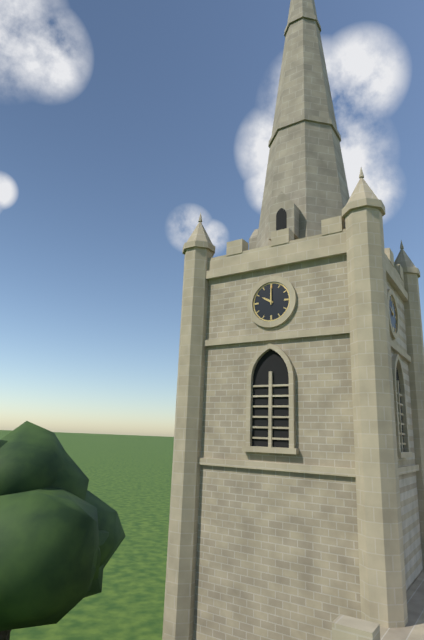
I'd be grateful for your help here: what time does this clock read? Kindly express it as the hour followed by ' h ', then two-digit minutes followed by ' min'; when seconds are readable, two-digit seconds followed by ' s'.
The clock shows 10 h 00 min
